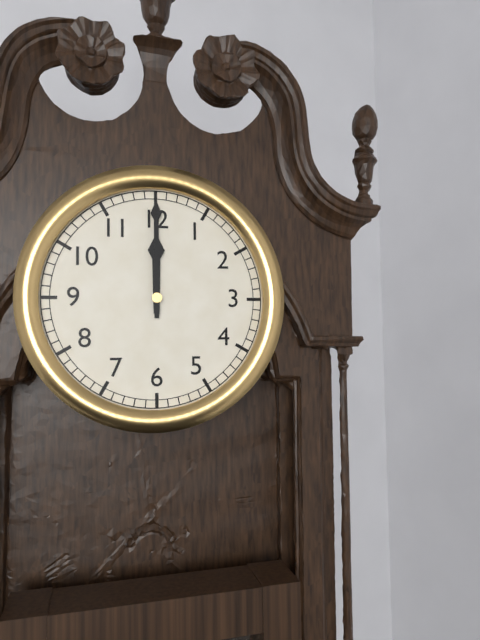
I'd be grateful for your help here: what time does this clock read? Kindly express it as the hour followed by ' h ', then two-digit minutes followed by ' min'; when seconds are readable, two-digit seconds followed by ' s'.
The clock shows 12 h 00 min
